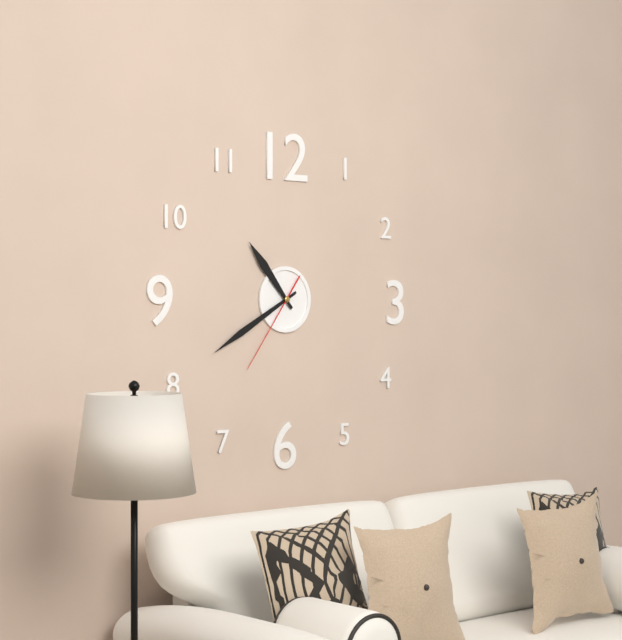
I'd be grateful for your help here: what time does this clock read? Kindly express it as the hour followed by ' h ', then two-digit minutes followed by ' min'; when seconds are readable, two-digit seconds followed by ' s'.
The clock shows 10 h 40 min 36 s
